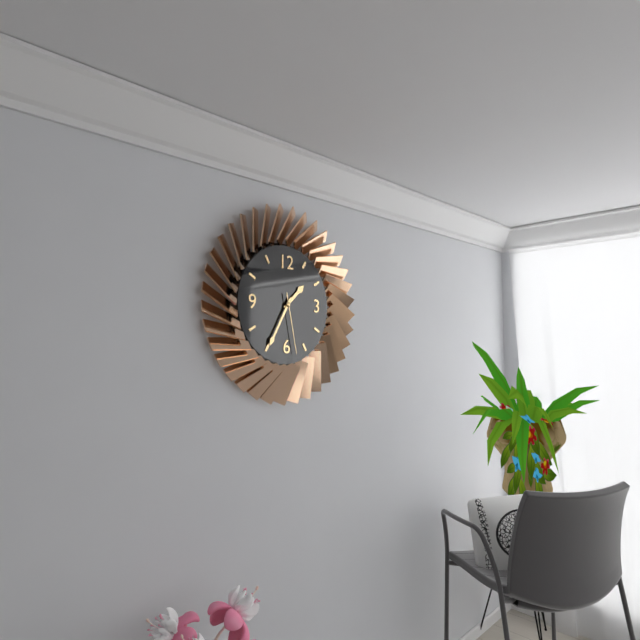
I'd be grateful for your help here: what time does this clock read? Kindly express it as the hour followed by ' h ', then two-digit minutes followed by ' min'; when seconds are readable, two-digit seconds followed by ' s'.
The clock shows 1 h 35 min 28 s
